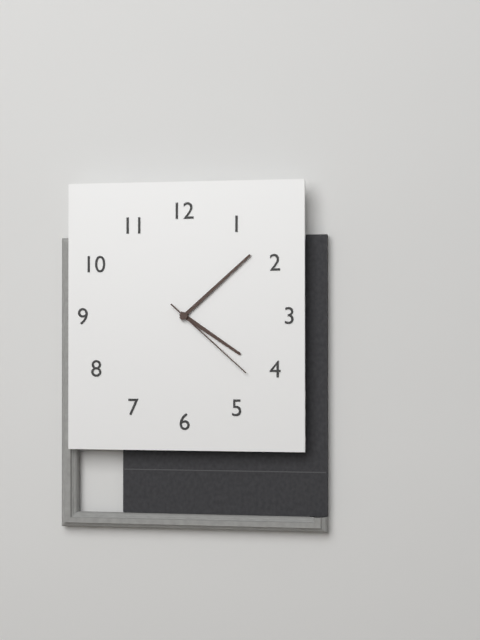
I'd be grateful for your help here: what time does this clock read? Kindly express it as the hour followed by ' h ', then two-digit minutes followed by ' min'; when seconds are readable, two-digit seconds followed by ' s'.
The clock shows 4 h 08 min 22 s
